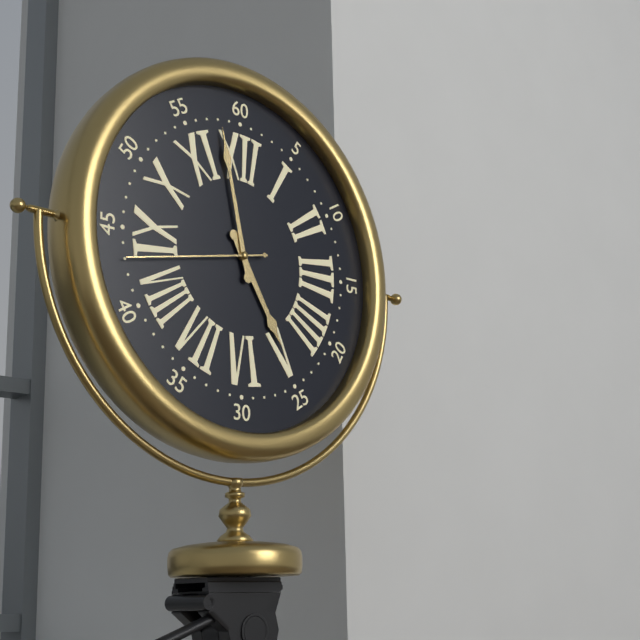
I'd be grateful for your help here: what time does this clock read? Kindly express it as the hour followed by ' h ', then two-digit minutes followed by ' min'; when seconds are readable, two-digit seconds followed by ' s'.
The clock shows 4 h 58 min 43 s
